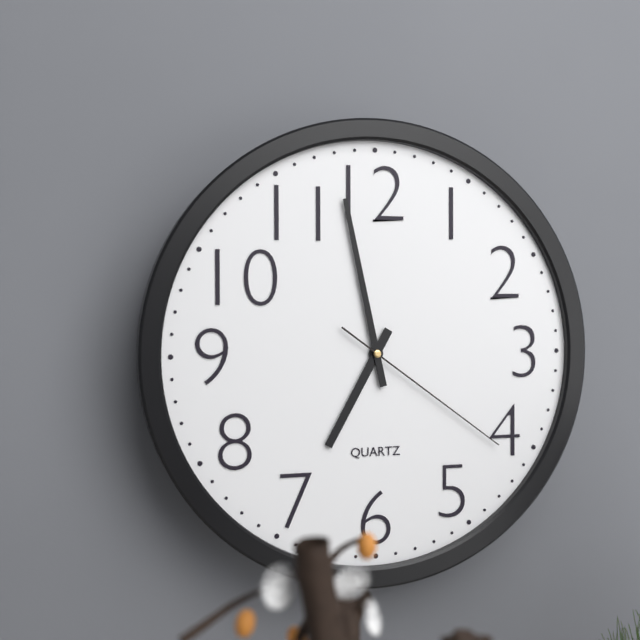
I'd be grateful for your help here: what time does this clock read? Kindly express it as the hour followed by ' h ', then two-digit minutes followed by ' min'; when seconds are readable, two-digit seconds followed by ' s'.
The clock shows 6 h 58 min 21 s
